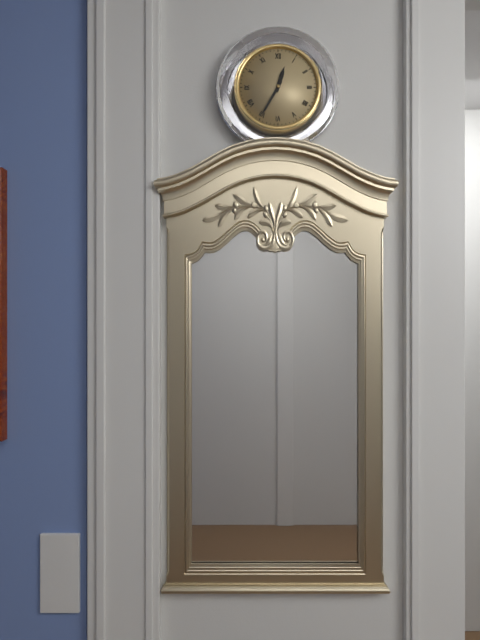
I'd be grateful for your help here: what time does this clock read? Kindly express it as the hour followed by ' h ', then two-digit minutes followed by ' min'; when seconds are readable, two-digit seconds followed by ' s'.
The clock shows 12 h 35 min
